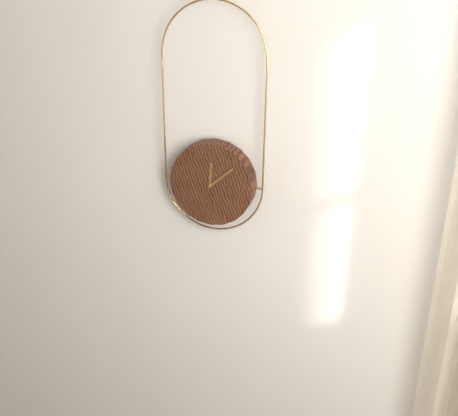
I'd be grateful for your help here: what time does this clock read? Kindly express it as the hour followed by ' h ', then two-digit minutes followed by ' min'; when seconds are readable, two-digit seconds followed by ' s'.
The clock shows 12 h 08 min
